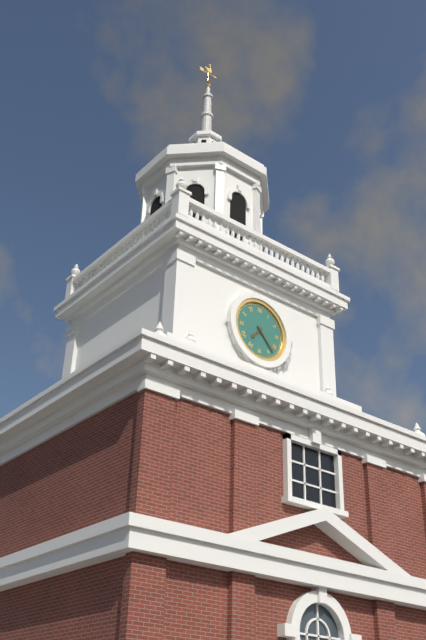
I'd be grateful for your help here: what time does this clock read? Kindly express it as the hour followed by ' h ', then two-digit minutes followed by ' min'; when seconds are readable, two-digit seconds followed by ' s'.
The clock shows 7 h 23 min
